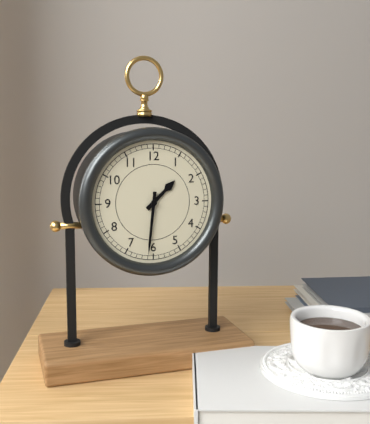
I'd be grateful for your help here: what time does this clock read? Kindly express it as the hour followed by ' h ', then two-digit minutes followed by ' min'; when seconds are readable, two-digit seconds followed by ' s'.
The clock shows 1 h 31 min
